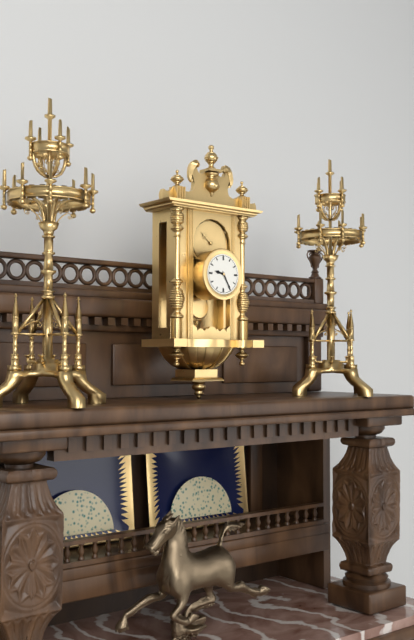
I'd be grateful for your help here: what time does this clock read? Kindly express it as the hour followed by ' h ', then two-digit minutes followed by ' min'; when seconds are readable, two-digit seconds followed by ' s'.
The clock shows 9 h 25 min
